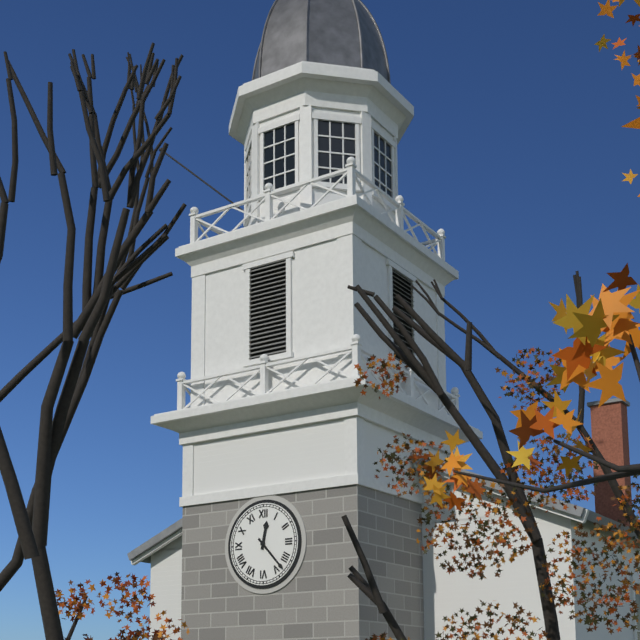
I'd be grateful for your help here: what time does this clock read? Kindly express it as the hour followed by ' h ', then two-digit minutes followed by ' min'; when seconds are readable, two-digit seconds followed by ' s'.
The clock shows 12 h 23 min
